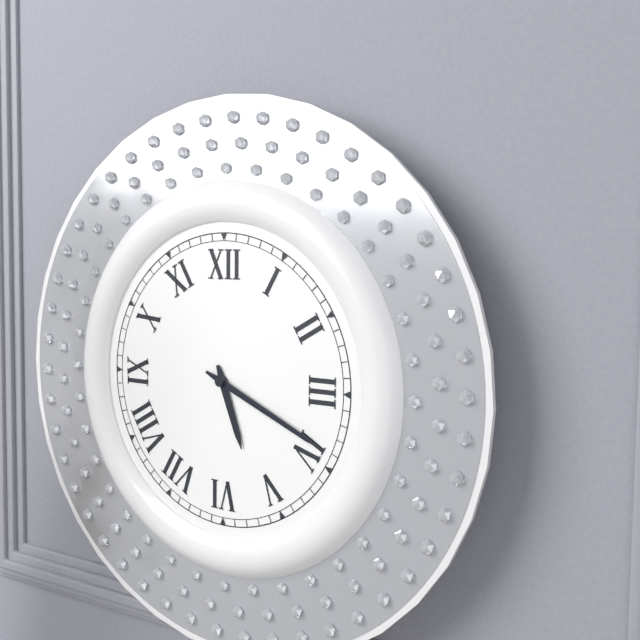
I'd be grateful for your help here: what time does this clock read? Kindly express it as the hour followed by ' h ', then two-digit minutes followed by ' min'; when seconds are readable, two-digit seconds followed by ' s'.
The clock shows 5 h 19 min
